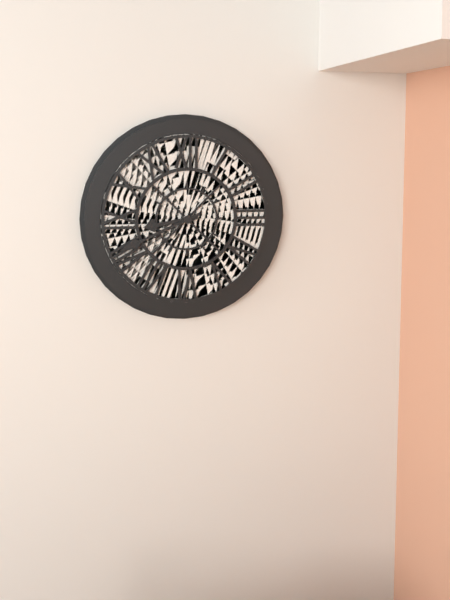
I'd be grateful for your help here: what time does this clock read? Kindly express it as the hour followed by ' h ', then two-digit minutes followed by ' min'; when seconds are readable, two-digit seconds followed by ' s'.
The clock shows 8 h 41 min
